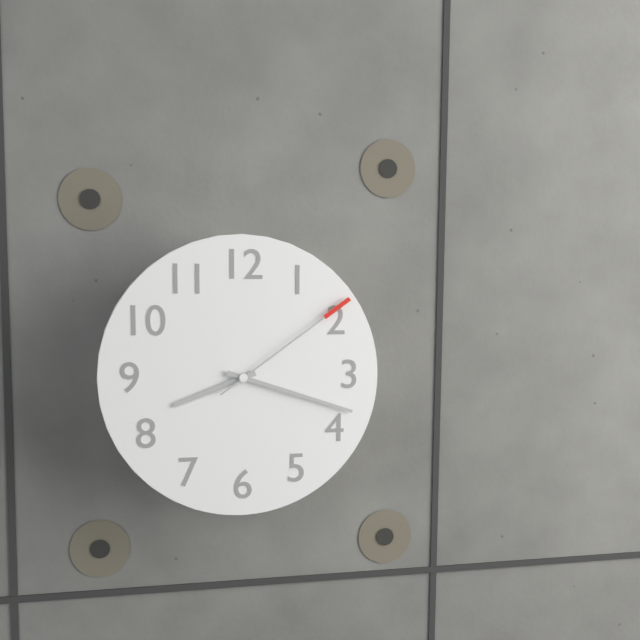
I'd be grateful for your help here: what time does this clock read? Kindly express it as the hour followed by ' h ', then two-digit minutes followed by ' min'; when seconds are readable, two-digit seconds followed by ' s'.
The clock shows 8 h 18 min 09 s
